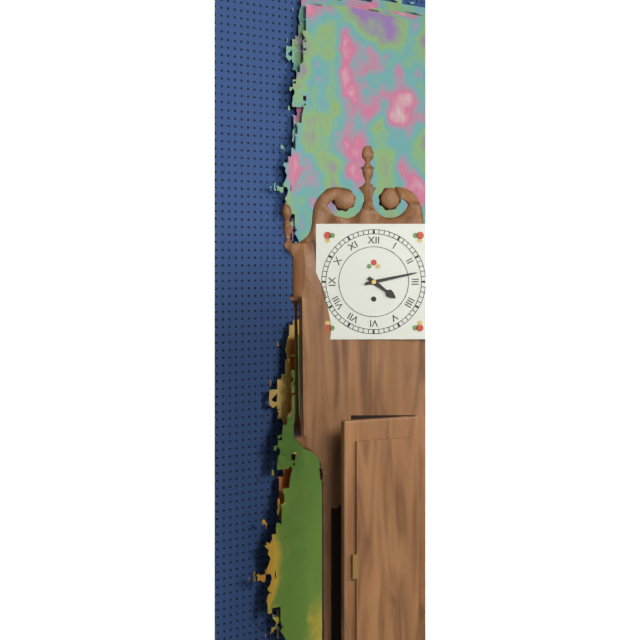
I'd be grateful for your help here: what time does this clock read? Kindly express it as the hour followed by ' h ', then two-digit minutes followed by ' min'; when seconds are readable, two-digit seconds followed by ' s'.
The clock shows 4 h 13 min
